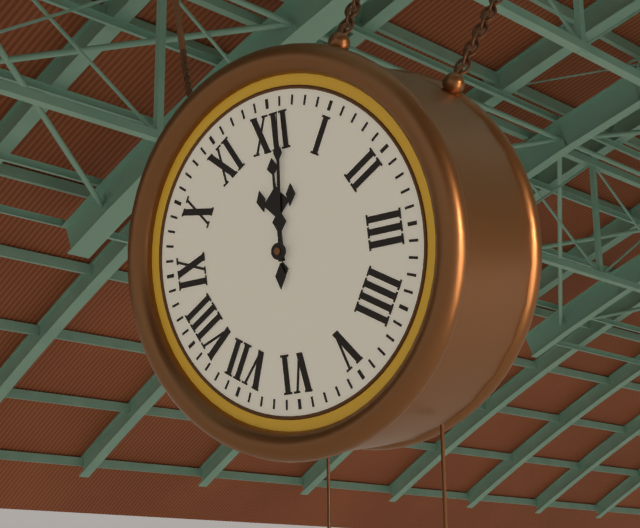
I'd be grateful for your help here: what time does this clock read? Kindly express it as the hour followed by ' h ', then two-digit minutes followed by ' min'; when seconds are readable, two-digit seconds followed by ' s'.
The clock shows 12 h 01 min
